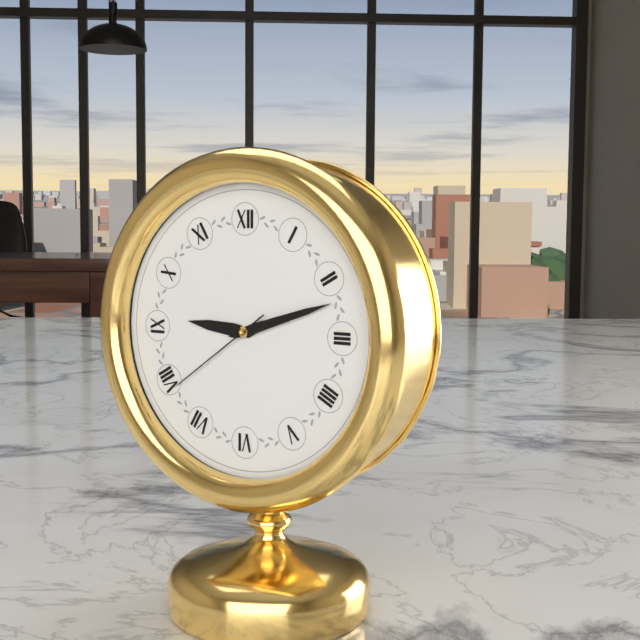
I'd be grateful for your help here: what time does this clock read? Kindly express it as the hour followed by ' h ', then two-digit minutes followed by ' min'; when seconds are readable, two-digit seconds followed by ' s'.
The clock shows 9 h 12 min 39 s
